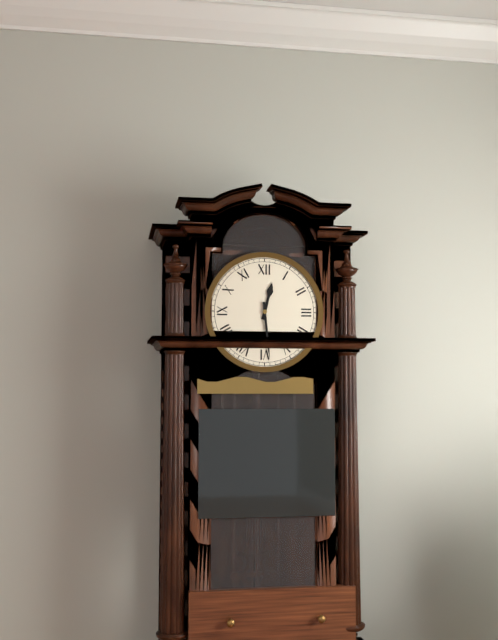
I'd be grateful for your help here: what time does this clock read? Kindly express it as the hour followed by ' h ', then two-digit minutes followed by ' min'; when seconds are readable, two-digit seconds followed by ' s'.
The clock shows 12 h 29 min
